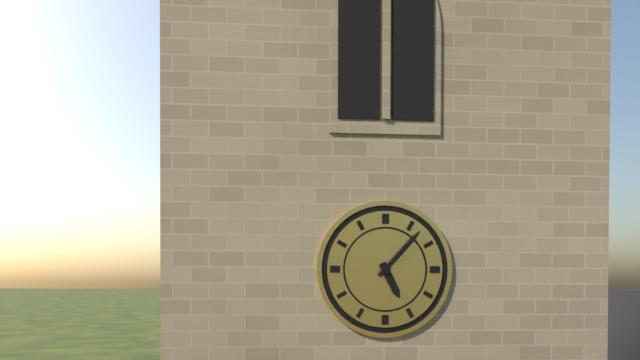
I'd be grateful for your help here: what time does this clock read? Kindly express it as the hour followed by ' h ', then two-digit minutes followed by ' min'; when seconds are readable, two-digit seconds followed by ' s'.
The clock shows 5 h 07 min
